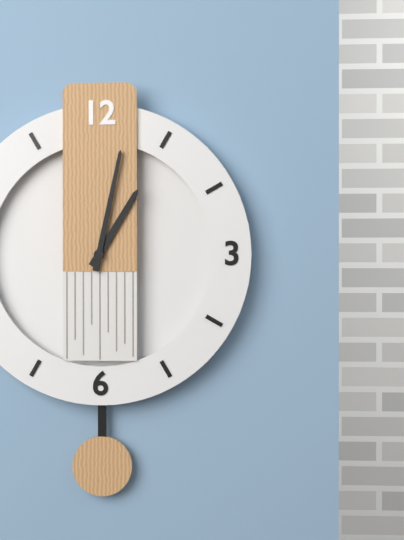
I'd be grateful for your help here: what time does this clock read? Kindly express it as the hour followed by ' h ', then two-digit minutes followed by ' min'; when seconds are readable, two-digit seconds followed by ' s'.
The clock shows 1 h 02 min
